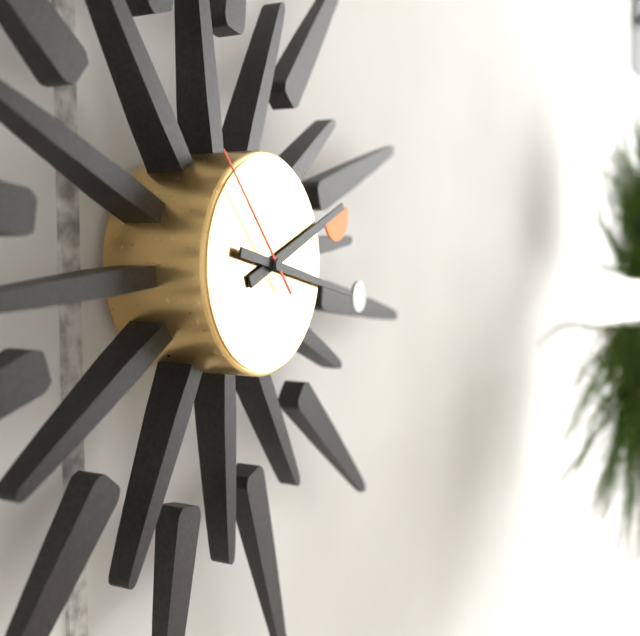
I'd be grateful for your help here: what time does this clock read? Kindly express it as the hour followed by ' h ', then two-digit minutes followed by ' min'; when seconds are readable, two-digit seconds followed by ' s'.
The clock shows 2 h 17 min 53 s
